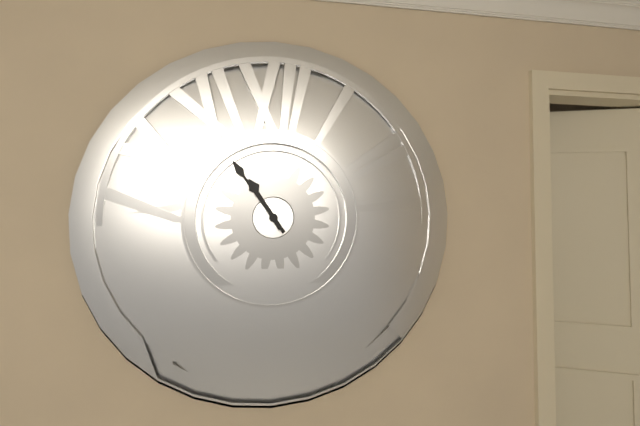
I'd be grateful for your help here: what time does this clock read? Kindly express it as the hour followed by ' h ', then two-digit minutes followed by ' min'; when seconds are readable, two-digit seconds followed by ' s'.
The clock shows 10 h 54 min
